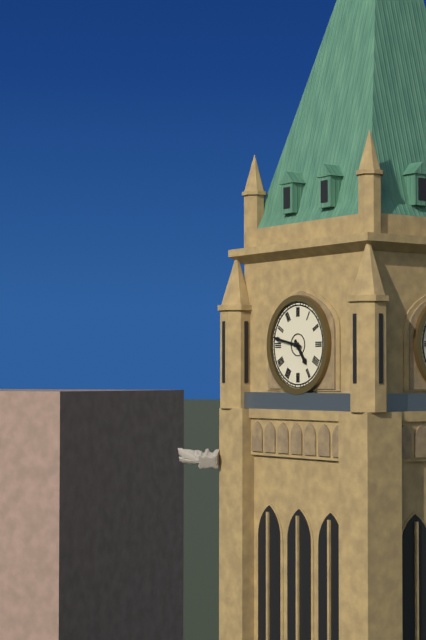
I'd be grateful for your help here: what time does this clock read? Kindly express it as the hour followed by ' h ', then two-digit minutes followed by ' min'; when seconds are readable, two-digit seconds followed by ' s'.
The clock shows 4 h 47 min
